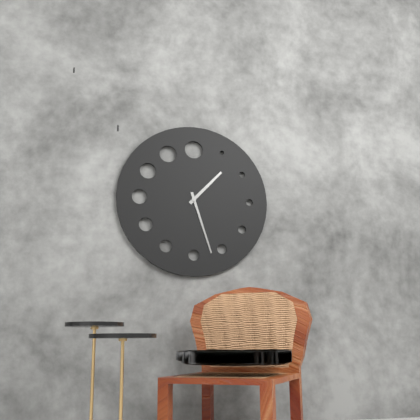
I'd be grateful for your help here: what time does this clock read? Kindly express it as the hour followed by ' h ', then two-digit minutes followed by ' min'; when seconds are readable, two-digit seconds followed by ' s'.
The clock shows 1 h 27 min
